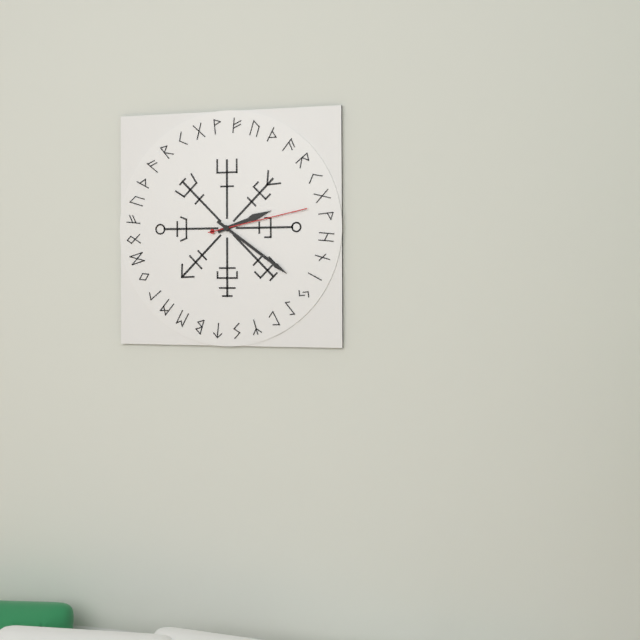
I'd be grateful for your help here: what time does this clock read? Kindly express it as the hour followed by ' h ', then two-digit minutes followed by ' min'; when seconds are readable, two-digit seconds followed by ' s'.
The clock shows 2 h 21 min 13 s
